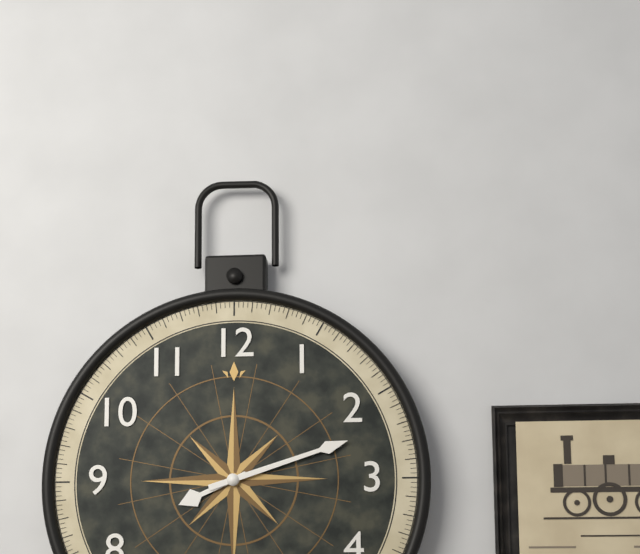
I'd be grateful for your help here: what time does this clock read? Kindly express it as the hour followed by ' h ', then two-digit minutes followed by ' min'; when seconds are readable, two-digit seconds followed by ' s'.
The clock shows 8 h 12 min
